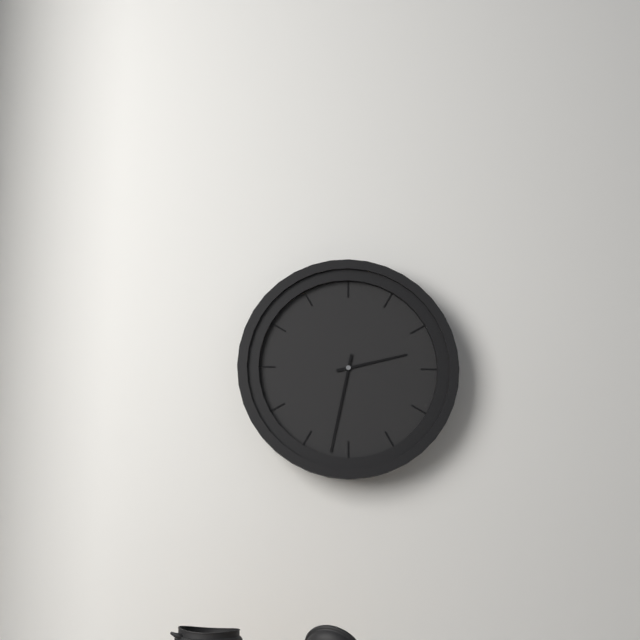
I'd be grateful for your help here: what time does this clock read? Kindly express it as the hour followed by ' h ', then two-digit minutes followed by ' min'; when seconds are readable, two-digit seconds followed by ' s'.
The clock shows 2 h 32 min
